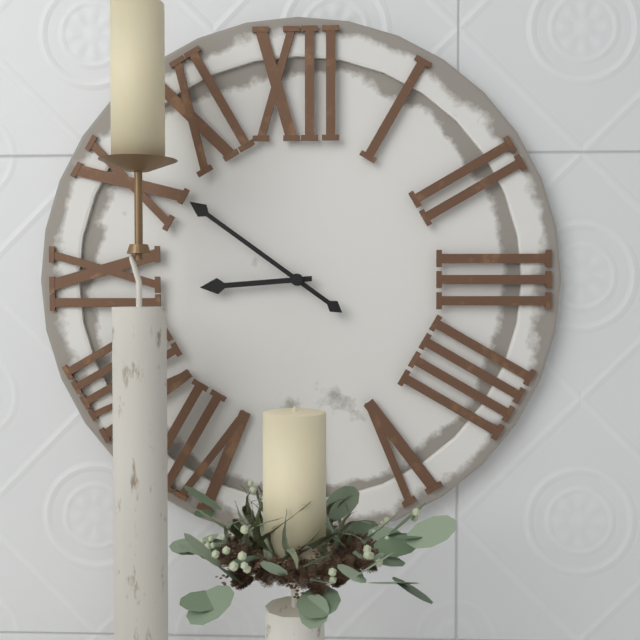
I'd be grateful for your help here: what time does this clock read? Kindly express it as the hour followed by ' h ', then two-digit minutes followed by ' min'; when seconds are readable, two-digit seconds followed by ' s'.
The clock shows 8 h 51 min
